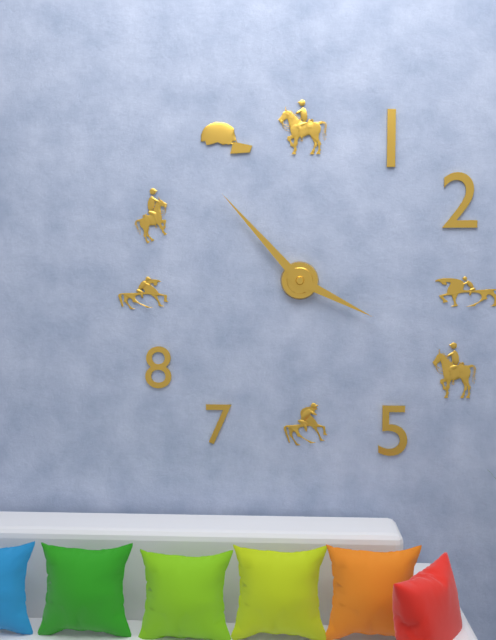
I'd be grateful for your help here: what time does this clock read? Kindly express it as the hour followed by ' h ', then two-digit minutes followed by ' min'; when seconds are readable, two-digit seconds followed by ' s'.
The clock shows 3 h 53 min
